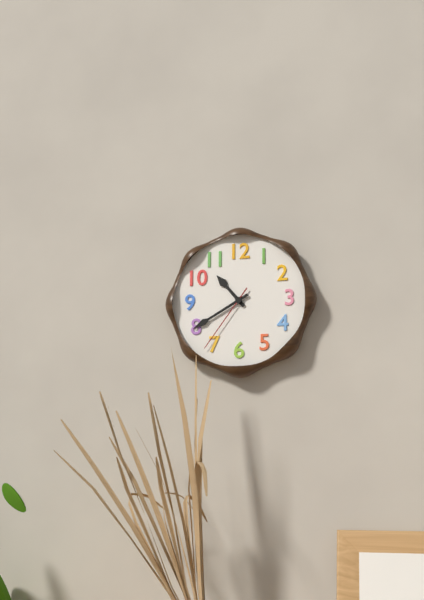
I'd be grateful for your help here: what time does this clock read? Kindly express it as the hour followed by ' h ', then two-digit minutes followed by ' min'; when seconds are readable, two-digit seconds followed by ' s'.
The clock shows 10 h 40 min 36 s
